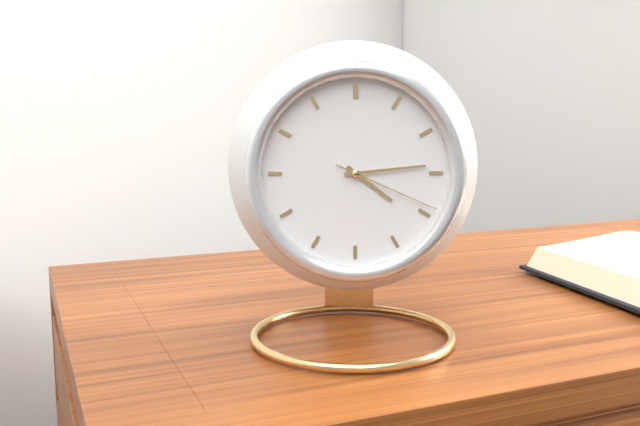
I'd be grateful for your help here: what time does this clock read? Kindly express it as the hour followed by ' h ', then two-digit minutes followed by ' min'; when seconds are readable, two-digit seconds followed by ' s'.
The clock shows 4 h 14 min 19 s
